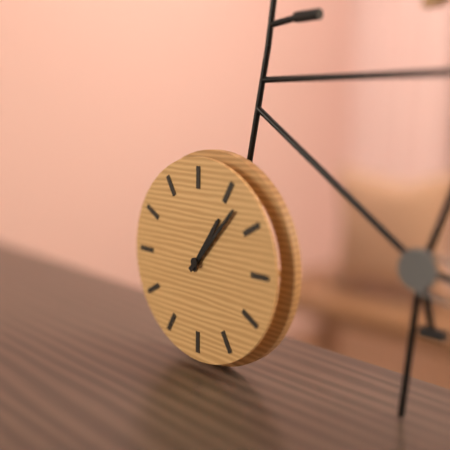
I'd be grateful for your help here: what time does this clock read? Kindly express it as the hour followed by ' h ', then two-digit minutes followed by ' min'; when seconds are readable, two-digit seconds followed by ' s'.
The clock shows 1 h 07 min
